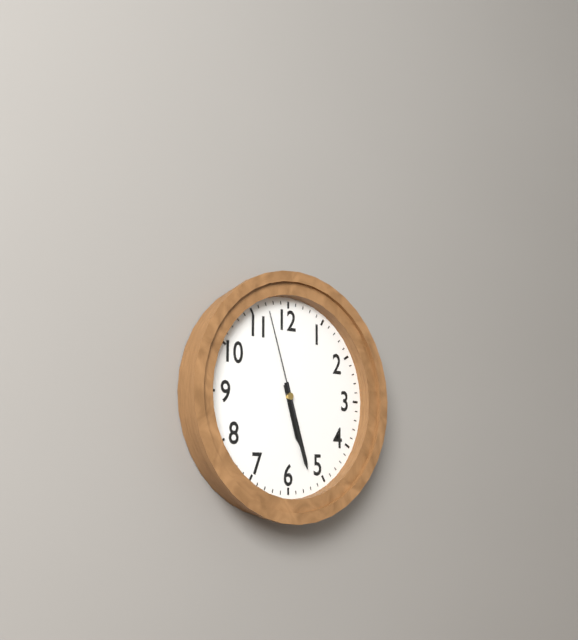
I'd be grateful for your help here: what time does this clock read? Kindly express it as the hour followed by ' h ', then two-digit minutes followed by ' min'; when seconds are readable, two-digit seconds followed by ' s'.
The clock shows 5 h 27 min 57 s
